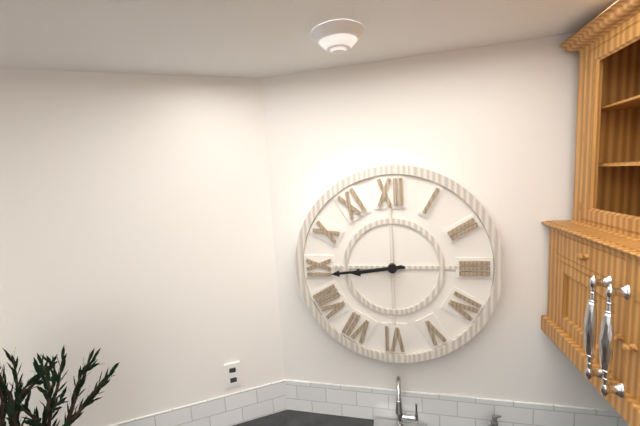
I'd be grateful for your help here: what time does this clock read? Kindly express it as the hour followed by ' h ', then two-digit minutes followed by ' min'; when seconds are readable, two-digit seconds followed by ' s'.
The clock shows 8 h 44 min
